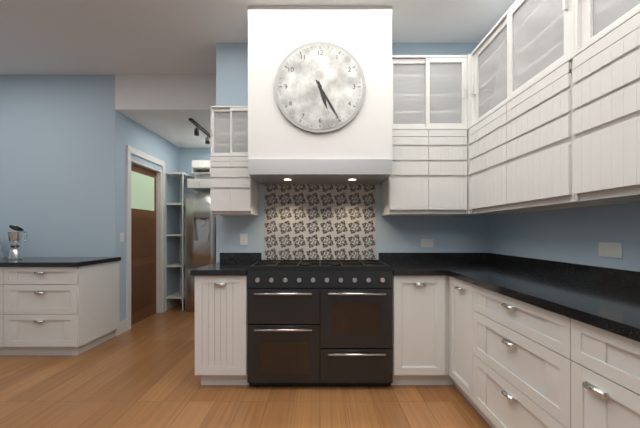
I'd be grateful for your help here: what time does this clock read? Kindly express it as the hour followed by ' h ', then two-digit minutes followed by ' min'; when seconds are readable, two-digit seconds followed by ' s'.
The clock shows 5 h 25 min
